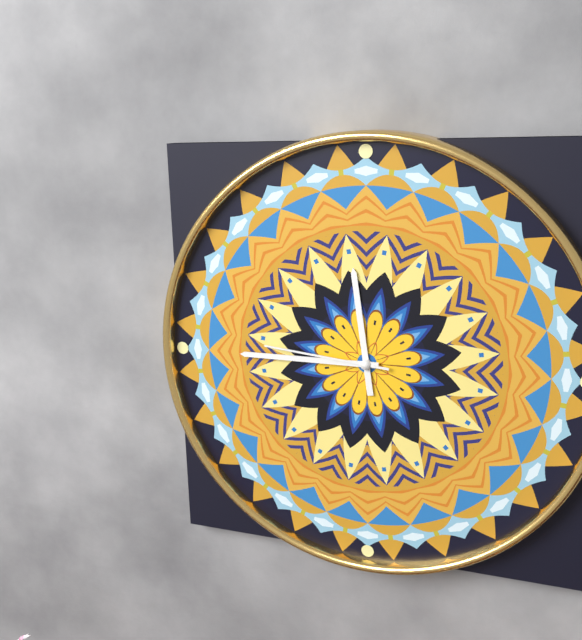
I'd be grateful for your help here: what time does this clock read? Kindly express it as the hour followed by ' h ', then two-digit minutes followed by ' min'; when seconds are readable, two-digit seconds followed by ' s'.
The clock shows 11 h 45 min 46 s
